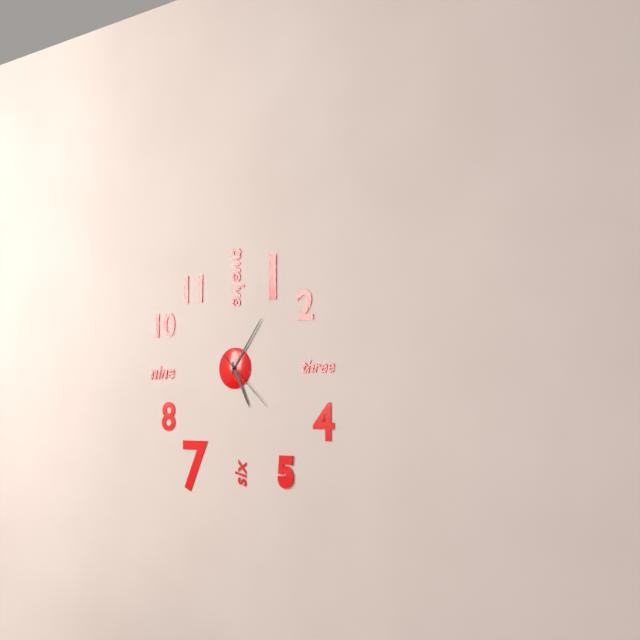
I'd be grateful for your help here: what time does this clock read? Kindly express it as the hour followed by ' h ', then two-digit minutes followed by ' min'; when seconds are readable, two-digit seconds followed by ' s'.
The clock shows 5 h 06 min 22 s
